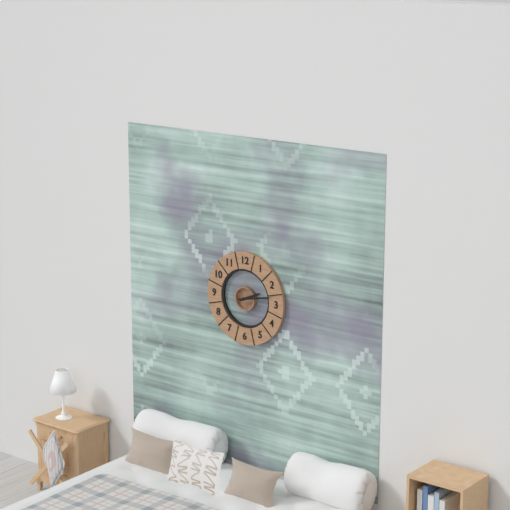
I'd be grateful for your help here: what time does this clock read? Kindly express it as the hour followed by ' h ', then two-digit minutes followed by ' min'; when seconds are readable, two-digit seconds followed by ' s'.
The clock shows 2 h 13 min
